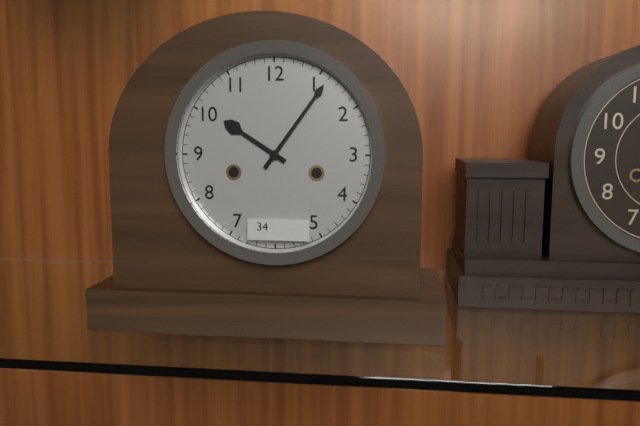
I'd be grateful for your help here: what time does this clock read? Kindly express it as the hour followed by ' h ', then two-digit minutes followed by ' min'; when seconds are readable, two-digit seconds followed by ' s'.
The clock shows 10 h 06 min
